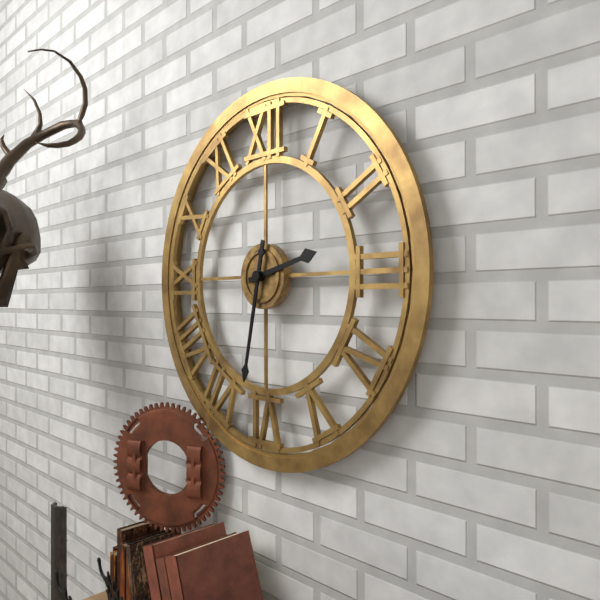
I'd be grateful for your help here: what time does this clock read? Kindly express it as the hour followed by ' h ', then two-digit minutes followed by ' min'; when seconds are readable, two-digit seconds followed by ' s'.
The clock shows 2 h 32 min
